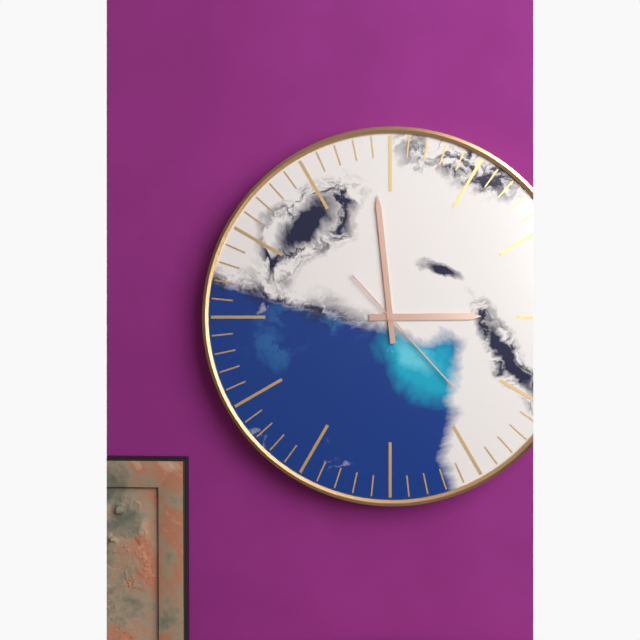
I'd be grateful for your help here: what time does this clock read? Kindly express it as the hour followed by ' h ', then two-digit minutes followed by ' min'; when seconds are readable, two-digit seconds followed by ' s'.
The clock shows 2 h 59 min 23 s
